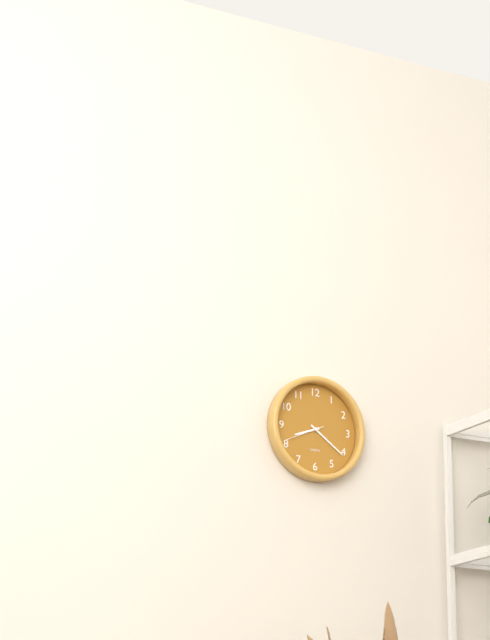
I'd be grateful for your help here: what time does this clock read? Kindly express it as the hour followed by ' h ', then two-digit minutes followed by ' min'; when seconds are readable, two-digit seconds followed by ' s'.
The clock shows 8 h 21 min
